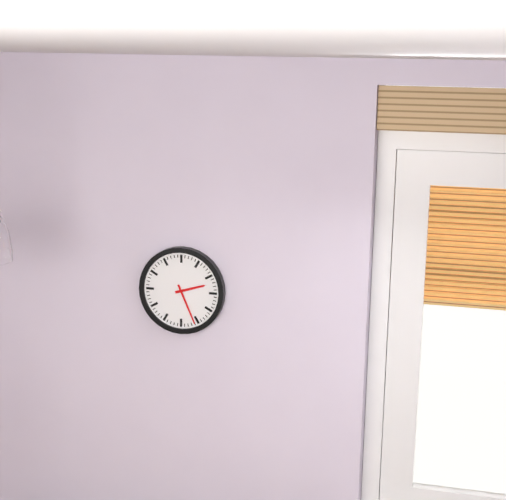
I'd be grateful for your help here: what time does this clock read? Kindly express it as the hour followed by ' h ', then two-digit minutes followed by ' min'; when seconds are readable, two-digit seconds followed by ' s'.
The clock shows 2 h 26 min
